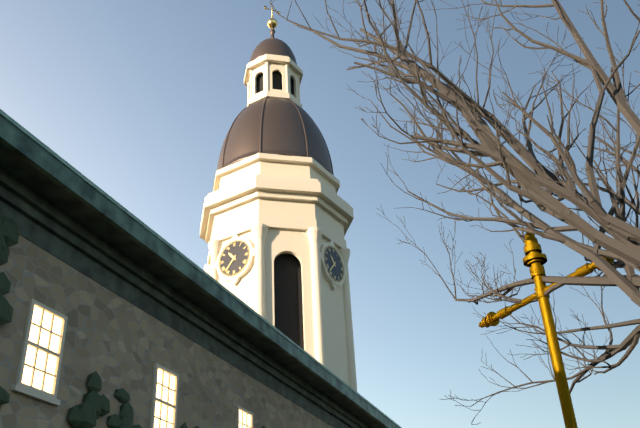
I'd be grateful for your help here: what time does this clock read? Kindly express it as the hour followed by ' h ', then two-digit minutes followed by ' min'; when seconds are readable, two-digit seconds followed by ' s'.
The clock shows 10 h 37 min
